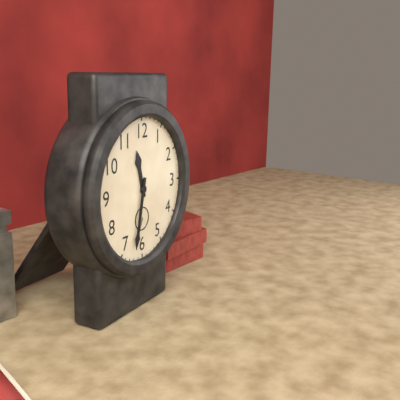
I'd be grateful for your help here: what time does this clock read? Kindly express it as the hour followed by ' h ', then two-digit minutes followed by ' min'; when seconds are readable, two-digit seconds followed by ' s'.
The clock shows 11 h 32 min
